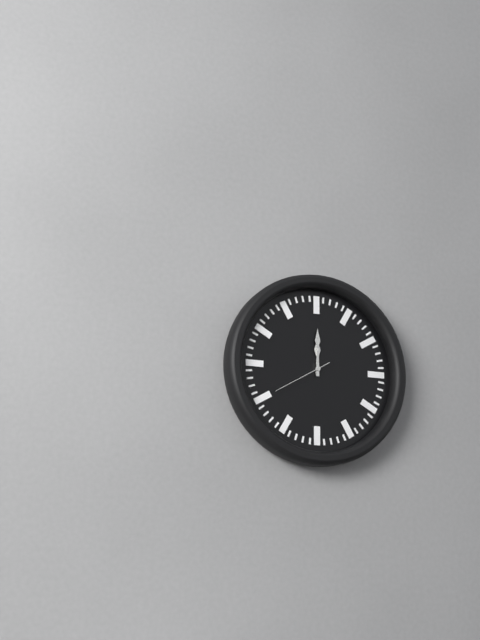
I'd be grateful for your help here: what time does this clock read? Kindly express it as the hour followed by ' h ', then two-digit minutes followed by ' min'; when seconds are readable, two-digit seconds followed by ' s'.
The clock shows 12 h 00 min 40 s
